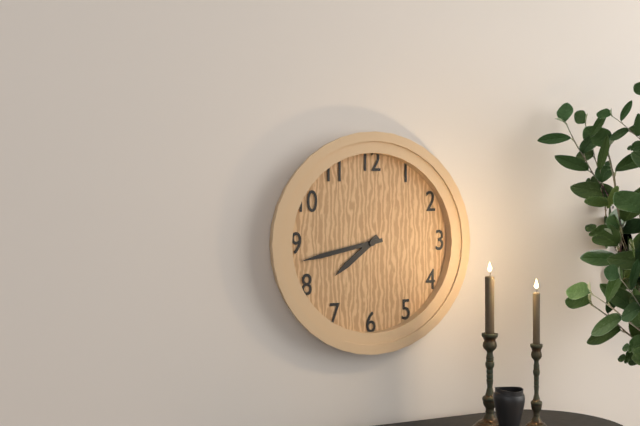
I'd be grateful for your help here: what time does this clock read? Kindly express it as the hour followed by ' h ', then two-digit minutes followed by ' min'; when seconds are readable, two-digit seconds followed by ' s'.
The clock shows 7 h 43 min
